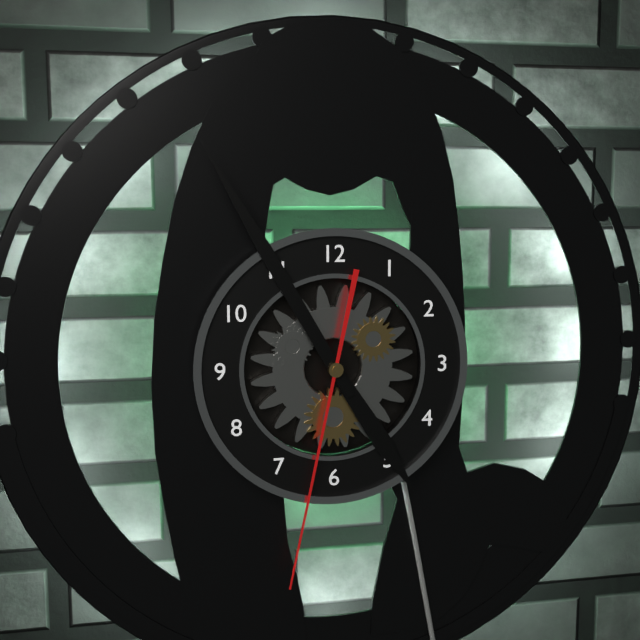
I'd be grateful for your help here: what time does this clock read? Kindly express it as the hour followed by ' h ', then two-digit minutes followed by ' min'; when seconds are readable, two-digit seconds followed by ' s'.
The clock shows 4 h 55 min 32 s
